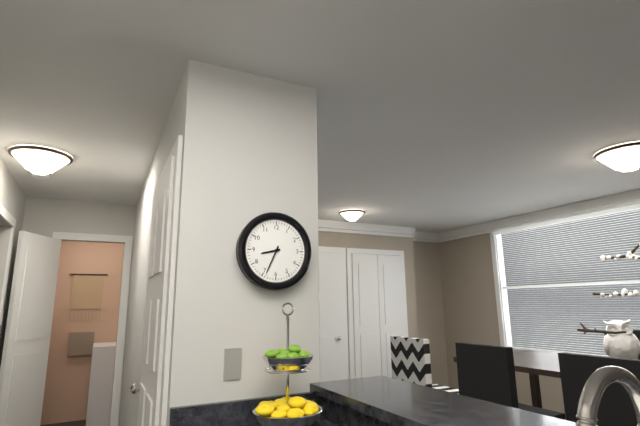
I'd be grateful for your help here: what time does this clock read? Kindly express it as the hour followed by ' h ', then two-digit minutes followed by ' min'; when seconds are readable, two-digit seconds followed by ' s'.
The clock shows 8 h 34 min
